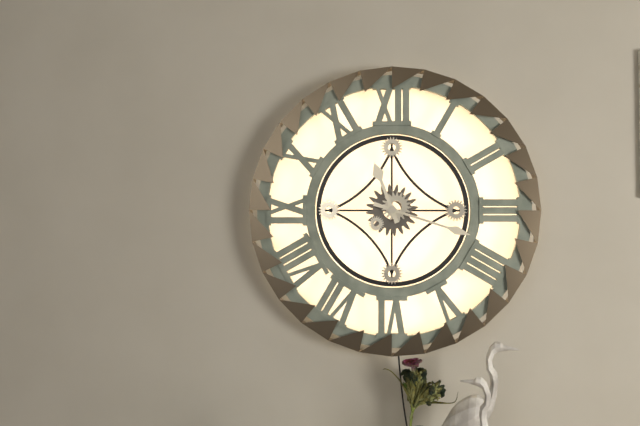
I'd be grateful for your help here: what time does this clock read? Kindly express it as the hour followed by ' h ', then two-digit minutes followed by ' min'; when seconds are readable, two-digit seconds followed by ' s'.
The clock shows 11 h 18 min
